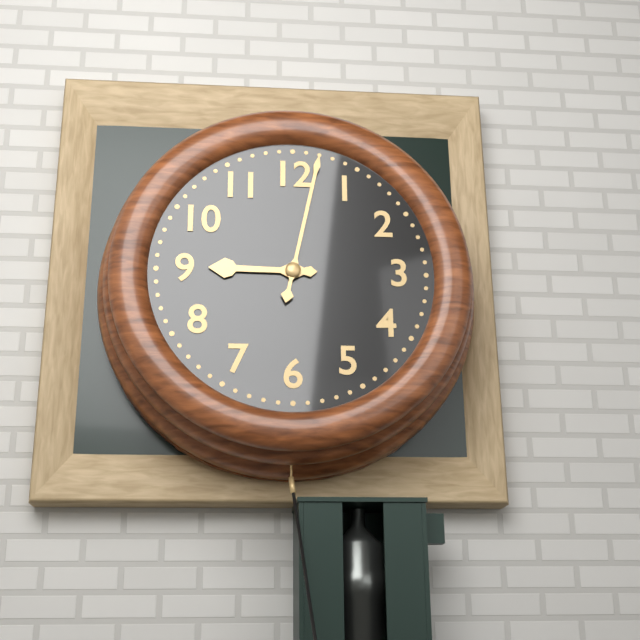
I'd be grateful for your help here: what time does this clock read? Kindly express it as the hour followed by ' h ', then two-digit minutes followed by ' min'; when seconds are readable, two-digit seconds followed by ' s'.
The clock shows 9 h 02 min
